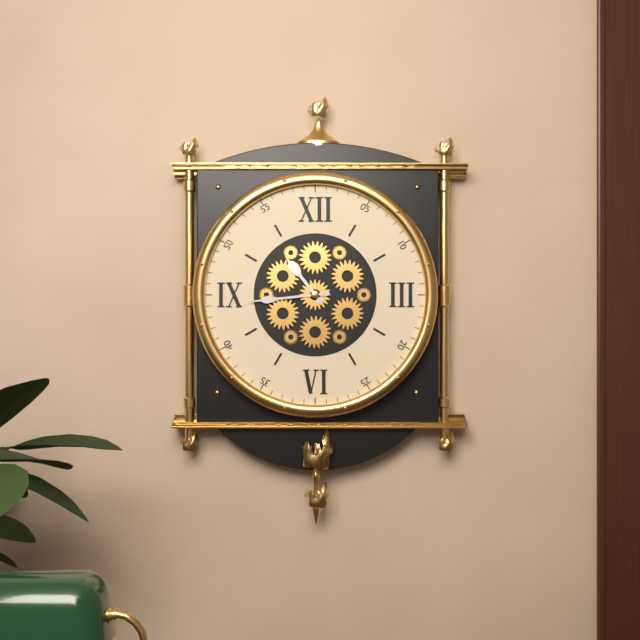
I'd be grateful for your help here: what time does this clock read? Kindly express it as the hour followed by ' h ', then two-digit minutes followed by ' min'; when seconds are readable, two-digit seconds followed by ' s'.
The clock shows 10 h 44 min
